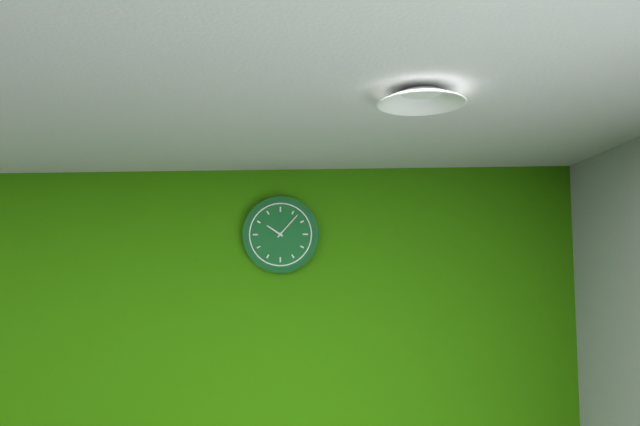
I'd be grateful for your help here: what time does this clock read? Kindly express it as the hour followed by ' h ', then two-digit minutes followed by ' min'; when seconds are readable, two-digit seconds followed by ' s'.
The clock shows 10 h 07 min
